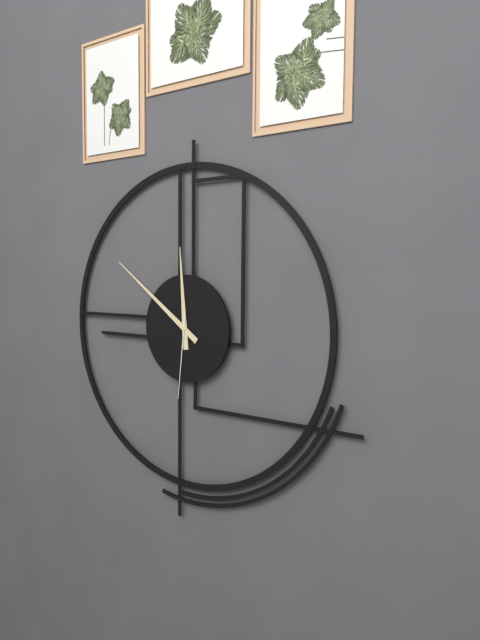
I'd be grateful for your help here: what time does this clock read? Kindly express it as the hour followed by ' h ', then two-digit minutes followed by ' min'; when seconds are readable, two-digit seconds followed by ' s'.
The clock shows 11 h 51 min 31 s
